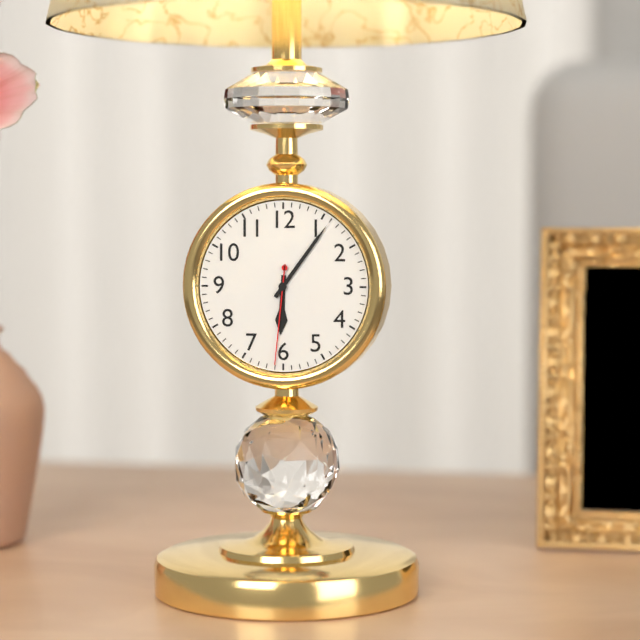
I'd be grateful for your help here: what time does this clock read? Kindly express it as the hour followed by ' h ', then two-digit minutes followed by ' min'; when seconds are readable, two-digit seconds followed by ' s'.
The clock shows 6 h 06 min 31 s
